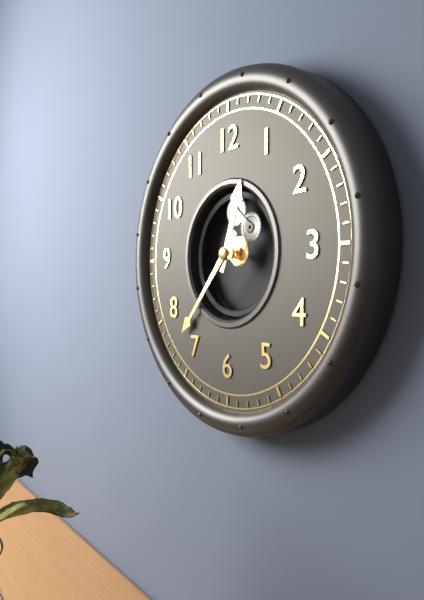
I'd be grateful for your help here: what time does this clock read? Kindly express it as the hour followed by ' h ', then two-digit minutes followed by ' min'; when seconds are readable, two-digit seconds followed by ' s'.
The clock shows 12 h 37 min
